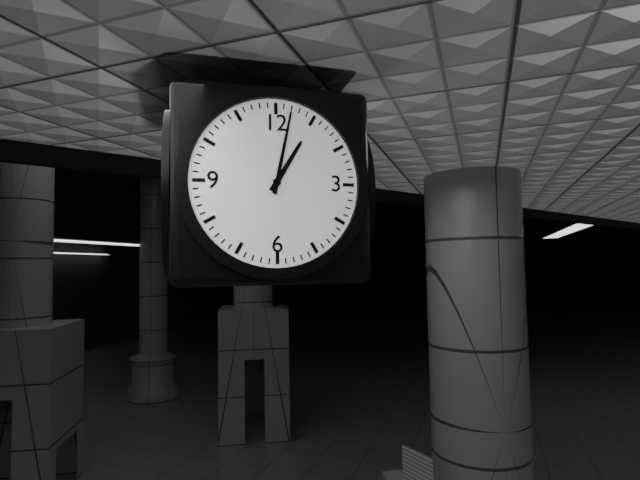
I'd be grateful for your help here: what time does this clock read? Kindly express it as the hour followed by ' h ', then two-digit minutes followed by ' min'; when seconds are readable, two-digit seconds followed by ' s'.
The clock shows 1 h 02 min
